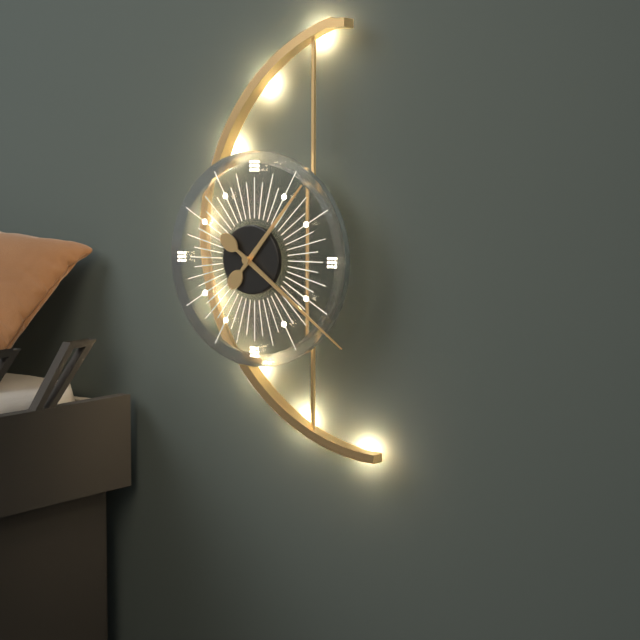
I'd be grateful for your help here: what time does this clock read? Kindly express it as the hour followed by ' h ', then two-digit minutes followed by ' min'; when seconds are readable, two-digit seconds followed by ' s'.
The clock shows 1 h 21 min
